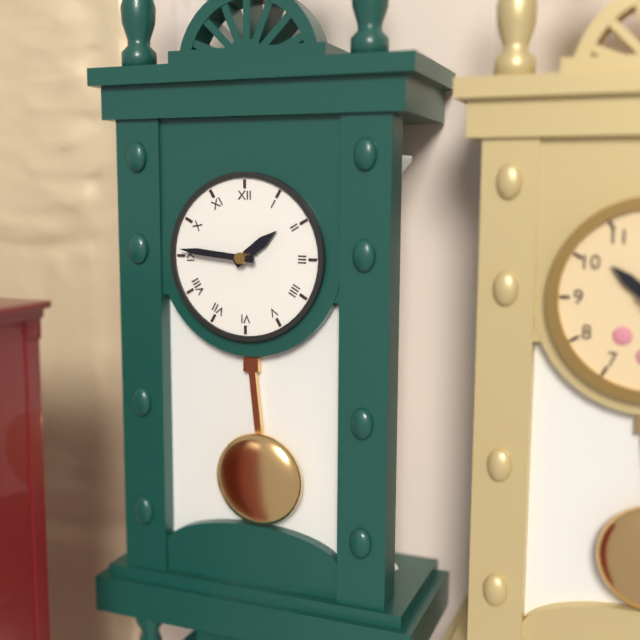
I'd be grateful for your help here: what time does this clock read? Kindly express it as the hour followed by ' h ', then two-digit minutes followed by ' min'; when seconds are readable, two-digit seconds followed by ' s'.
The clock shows 1 h 46 min
